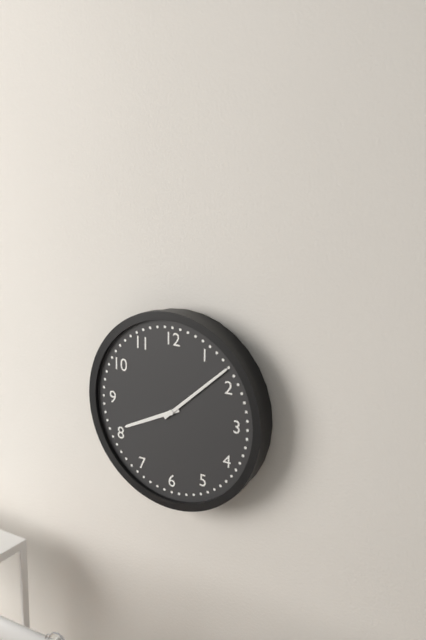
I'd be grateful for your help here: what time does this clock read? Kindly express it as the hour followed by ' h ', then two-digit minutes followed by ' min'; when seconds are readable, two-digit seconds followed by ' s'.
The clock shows 8 h 08 min
